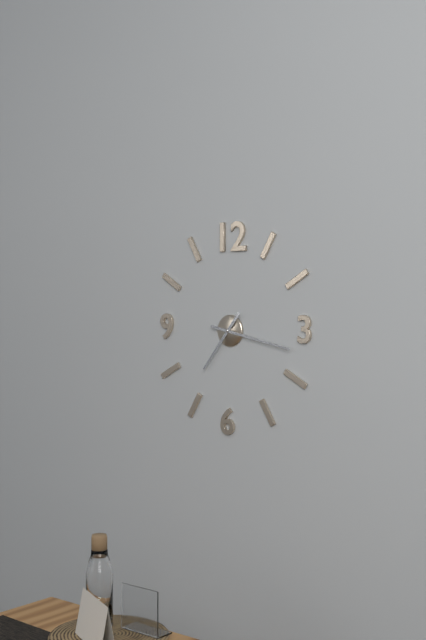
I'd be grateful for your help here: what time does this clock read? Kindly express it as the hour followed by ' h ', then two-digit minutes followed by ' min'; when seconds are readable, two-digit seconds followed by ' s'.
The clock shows 7 h 17 min
